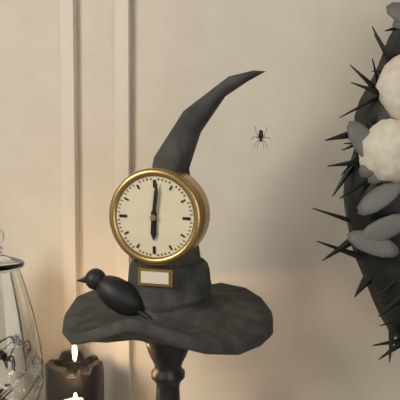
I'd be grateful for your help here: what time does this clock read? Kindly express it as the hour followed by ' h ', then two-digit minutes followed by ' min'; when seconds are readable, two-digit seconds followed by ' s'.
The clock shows 6 h 01 min
